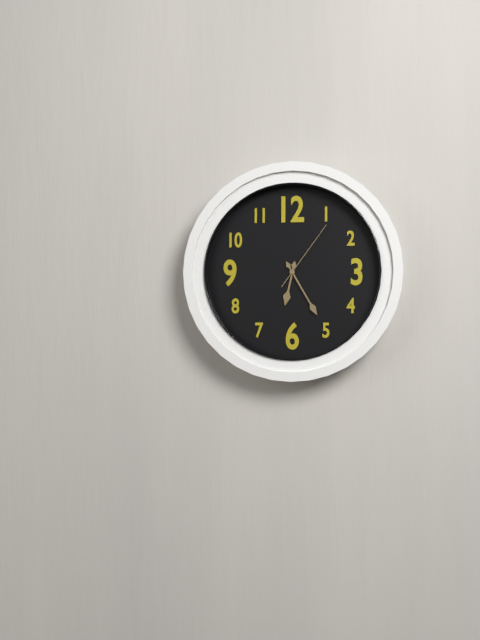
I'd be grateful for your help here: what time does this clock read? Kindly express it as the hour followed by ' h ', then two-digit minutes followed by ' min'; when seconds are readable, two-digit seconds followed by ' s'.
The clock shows 6 h 25 min 06 s
